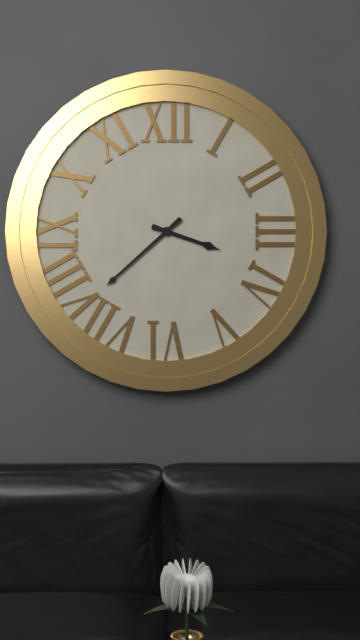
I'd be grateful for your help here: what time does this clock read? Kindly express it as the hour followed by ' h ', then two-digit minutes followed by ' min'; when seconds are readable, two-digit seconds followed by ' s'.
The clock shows 3 h 38 min
